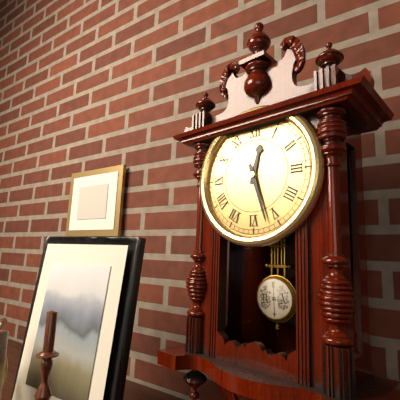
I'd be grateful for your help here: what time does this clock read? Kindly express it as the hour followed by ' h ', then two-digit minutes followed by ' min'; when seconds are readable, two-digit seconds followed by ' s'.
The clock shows 12 h 27 min
